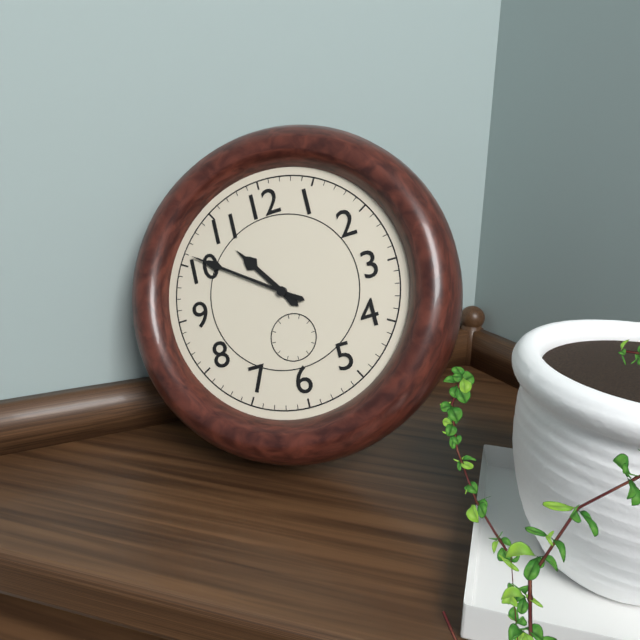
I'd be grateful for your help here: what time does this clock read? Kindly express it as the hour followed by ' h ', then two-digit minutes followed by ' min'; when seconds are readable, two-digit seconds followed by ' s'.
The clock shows 10 h 51 min
